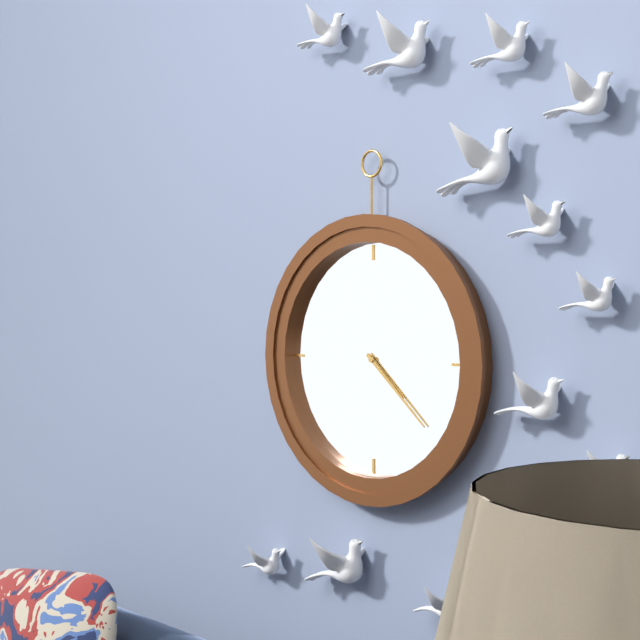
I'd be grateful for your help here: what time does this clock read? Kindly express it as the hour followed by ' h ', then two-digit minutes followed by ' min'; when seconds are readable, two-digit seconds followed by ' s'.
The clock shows 4 h 22 min
